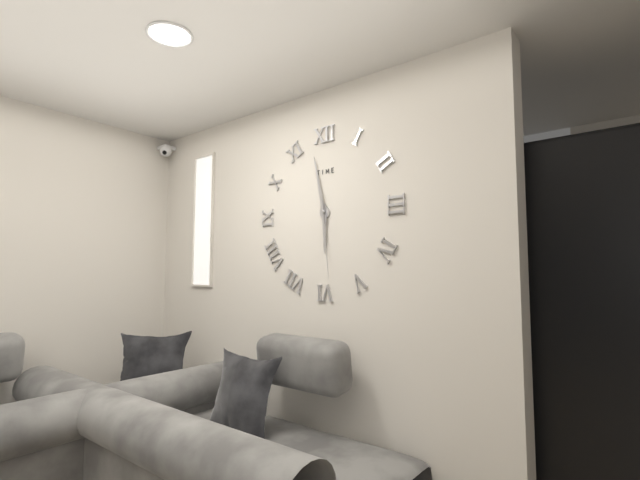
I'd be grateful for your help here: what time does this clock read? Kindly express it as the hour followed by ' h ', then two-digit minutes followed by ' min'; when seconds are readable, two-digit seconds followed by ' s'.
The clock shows 5 h 58 min 29 s
